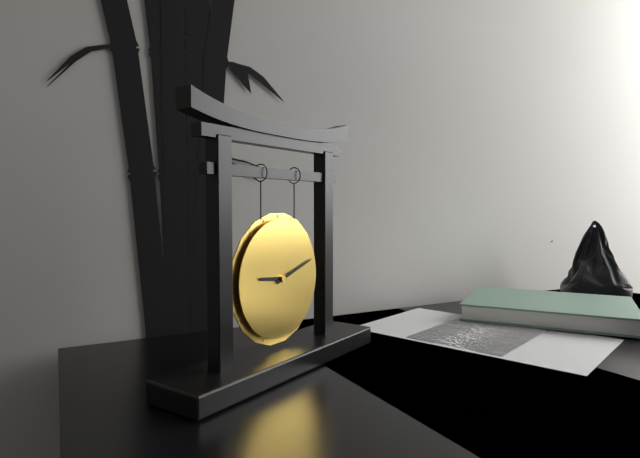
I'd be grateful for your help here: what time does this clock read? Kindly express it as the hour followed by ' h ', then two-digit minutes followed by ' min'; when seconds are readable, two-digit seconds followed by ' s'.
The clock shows 9 h 12 min
